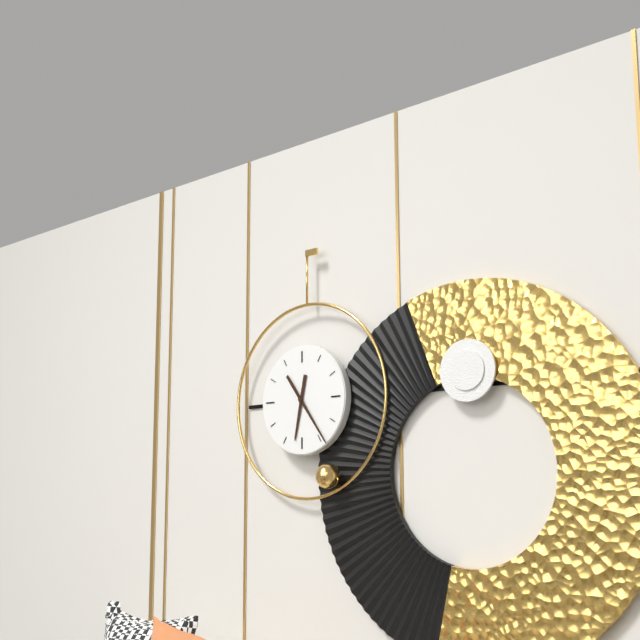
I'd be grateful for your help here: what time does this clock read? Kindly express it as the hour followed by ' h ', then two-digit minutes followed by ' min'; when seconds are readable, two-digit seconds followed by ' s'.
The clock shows 6 h 24 min
